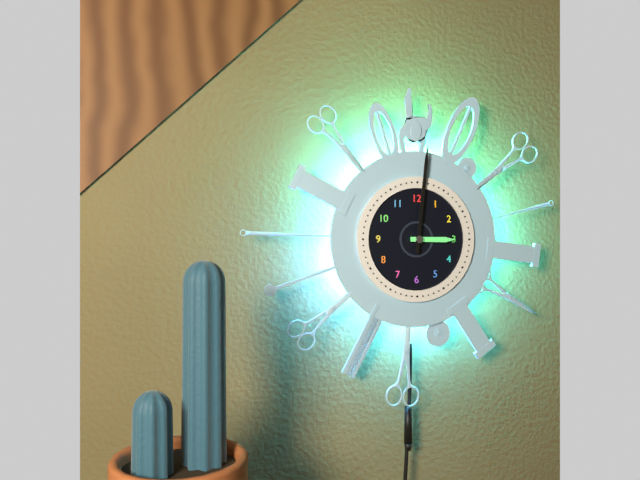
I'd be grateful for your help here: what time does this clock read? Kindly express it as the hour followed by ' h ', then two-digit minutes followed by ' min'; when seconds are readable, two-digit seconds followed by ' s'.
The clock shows 3 h 01 min
